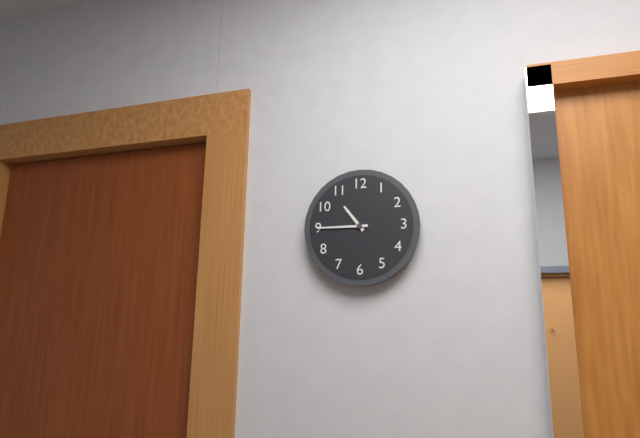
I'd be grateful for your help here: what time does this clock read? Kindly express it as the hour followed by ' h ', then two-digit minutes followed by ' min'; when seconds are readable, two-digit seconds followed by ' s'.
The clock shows 10 h 45 min
